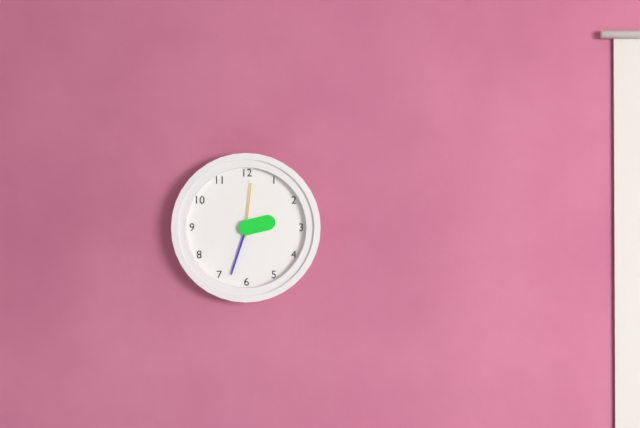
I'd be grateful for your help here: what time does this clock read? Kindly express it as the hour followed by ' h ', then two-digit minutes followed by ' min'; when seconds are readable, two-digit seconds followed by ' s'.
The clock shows 2 h 33 min 01 s
